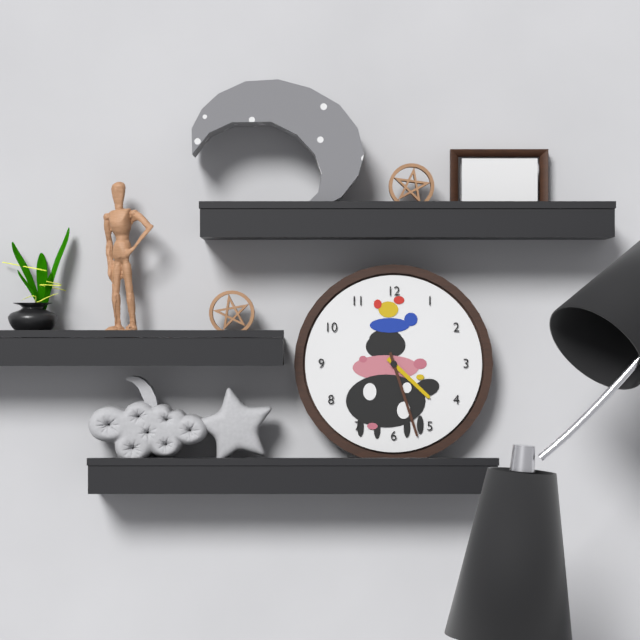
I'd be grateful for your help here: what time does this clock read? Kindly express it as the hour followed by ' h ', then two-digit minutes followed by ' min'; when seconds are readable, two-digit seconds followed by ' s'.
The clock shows 4 h 27 min
